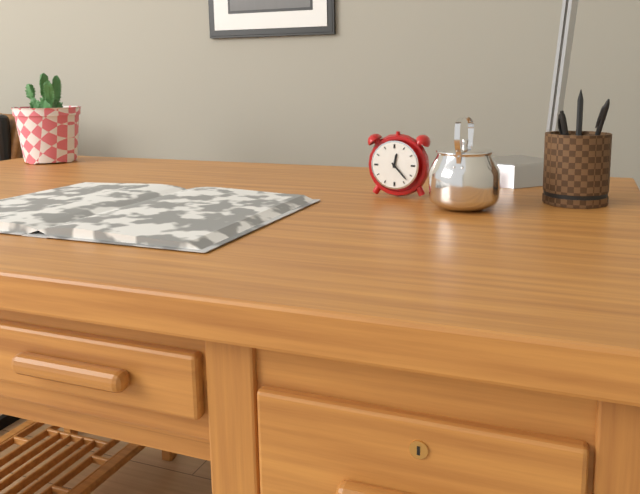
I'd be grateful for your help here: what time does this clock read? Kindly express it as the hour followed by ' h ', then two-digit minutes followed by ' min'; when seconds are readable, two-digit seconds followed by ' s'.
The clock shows 12 h 23 min
